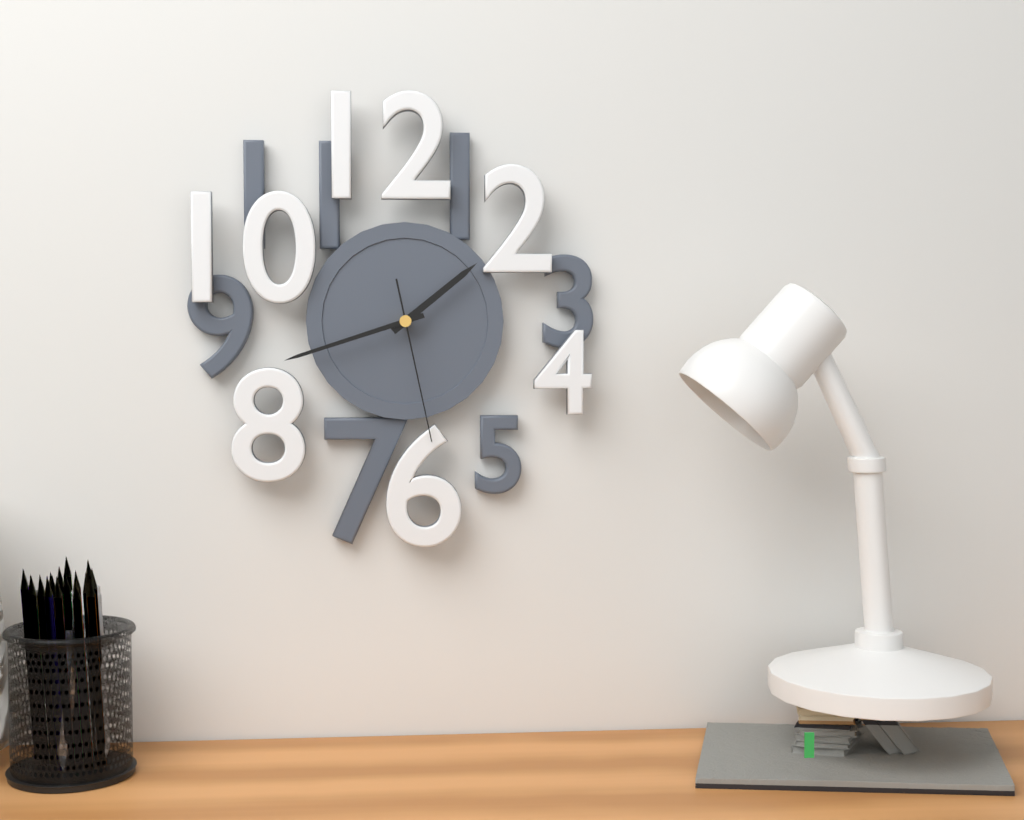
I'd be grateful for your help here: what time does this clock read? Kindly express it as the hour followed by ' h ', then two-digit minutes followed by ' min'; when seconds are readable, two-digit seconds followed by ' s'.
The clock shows 1 h 42 min 28 s
